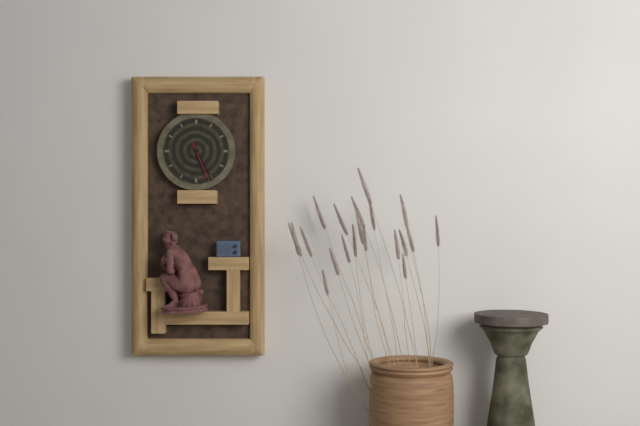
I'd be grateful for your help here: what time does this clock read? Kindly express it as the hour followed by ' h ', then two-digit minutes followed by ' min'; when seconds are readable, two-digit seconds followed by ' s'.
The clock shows 5 h 25 min
